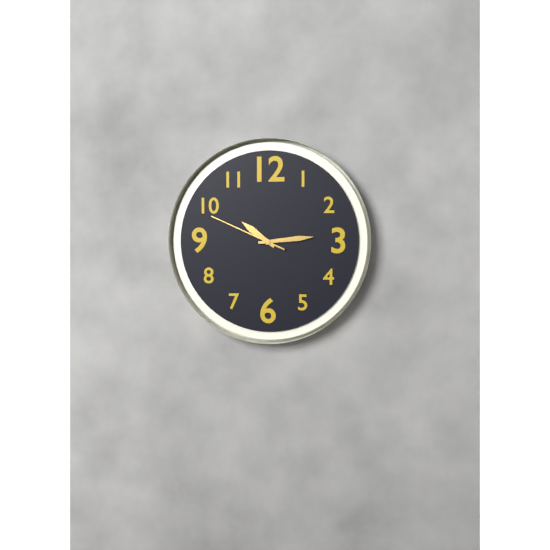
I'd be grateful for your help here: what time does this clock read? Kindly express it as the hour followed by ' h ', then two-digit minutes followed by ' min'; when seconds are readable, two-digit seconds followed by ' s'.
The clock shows 10 h 14 min 49 s
